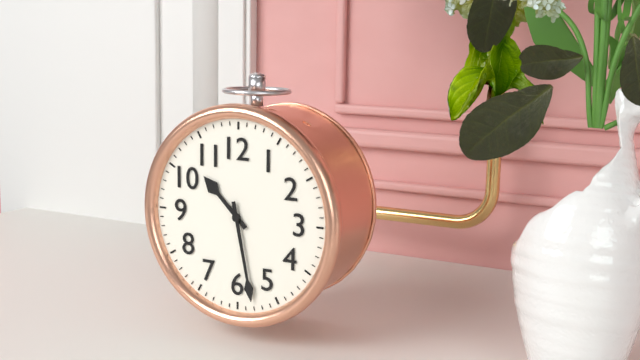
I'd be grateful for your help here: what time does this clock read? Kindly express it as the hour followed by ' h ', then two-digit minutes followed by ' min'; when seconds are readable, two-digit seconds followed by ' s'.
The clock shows 10 h 28 min
